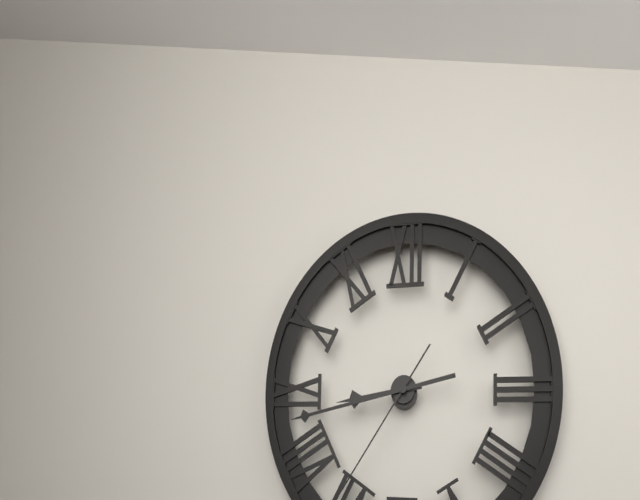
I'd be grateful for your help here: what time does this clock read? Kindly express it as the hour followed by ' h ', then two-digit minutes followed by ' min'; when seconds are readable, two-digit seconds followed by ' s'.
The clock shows 8 h 43 min
